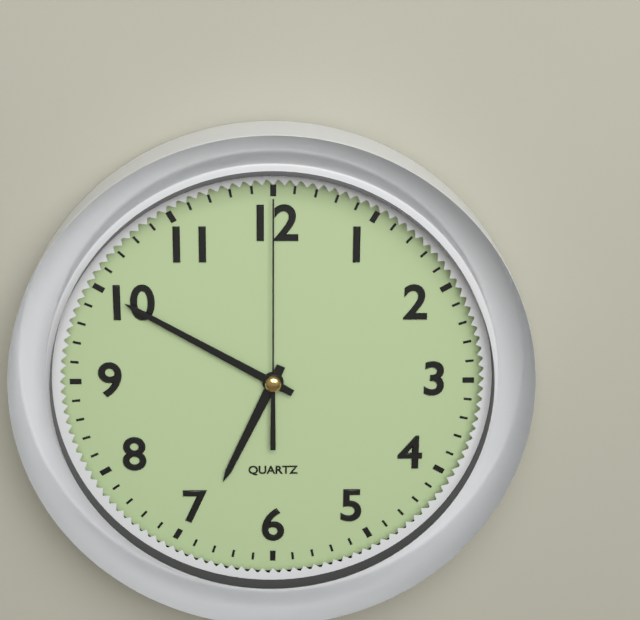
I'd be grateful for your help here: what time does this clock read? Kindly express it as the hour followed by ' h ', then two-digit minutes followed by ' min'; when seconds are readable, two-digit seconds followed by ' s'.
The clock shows 6 h 50 min 00 s
